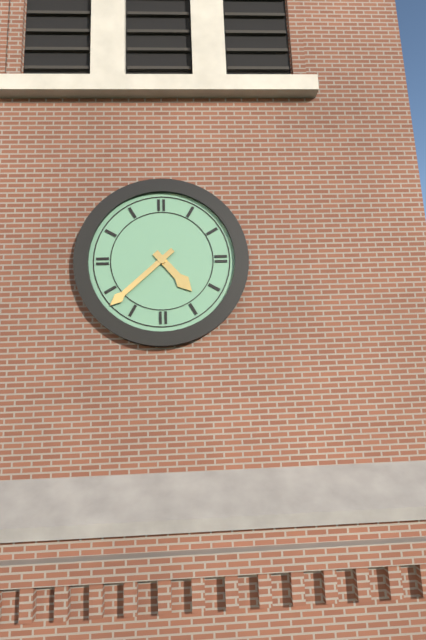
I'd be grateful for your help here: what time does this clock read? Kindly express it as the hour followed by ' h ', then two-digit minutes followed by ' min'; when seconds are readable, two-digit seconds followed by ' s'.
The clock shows 4 h 38 min
